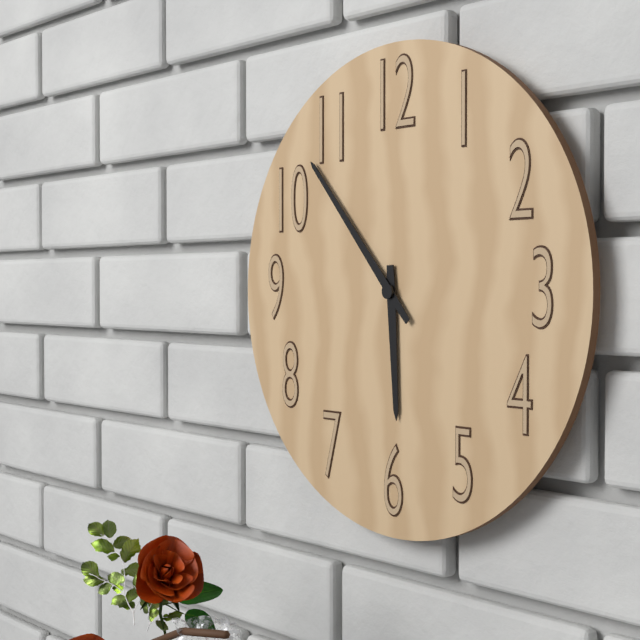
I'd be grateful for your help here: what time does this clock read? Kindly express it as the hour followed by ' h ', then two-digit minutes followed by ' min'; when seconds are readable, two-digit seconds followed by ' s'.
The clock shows 5 h 53 min
